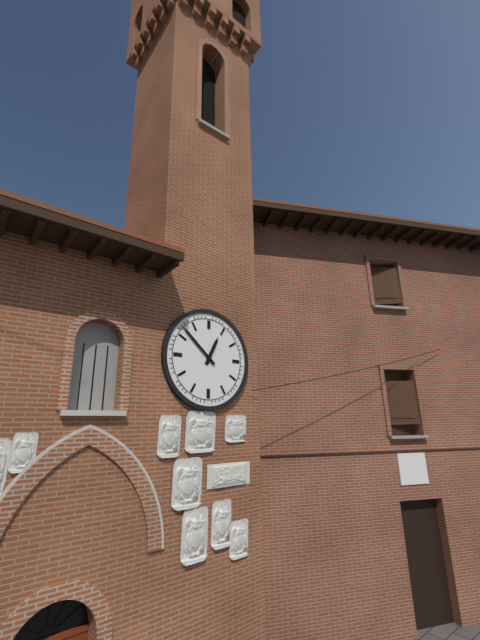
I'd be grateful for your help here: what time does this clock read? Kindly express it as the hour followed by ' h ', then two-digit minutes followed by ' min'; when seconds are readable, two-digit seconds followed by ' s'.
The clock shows 12 h 52 min
